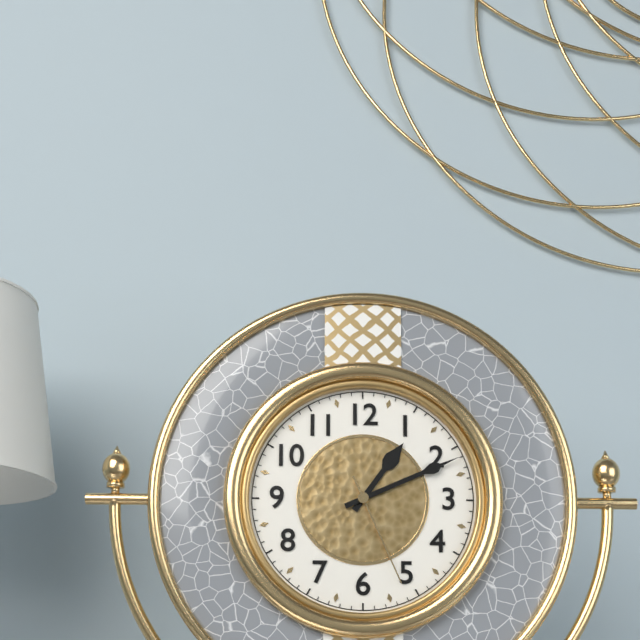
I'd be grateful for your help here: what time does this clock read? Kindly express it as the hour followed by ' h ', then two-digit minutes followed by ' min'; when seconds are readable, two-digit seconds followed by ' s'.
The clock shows 1 h 11 min 26 s
